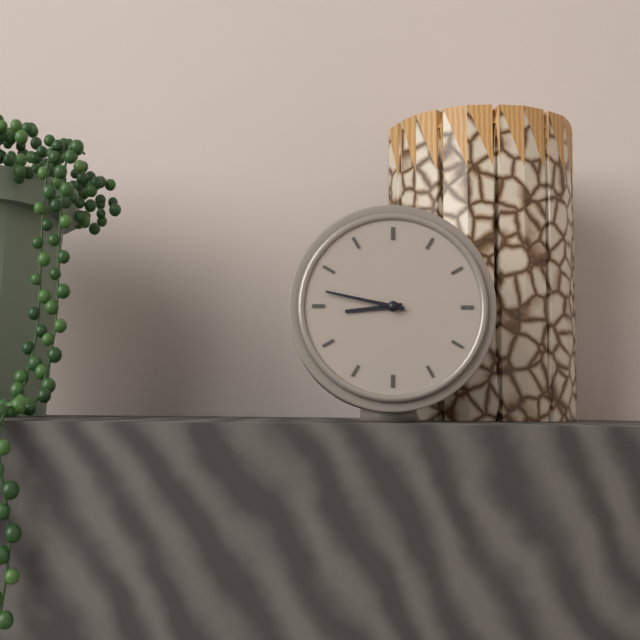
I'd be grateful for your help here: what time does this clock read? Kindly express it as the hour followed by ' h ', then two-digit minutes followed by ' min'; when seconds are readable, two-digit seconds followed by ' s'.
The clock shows 8 h 47 min
